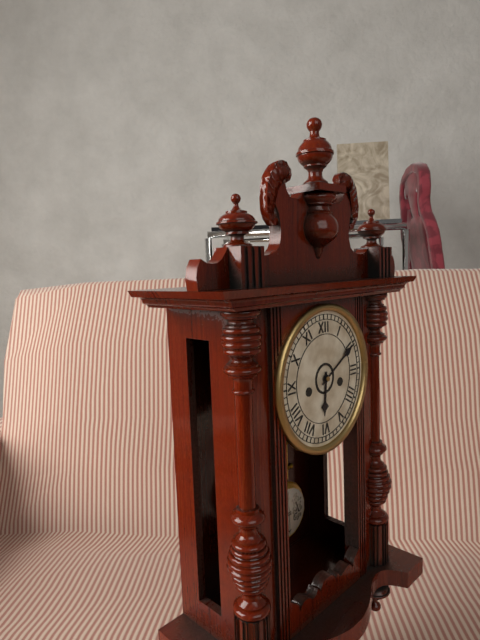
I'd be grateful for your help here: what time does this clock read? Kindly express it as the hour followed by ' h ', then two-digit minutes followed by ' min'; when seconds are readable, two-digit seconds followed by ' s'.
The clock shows 6 h 10 min
